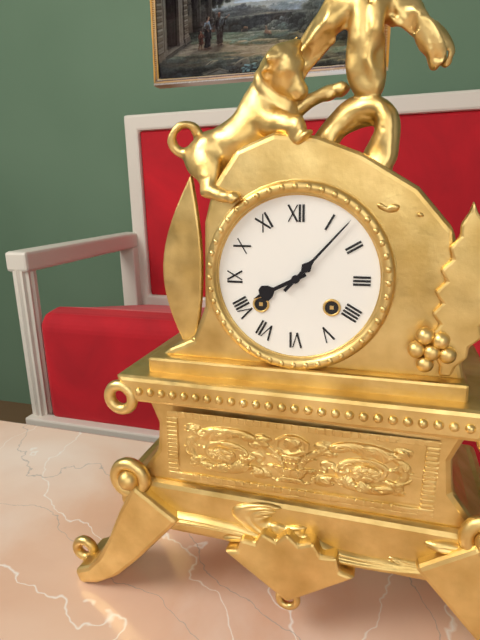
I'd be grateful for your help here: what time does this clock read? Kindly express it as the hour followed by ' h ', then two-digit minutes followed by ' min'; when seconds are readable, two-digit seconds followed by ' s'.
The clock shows 8 h 07 min
